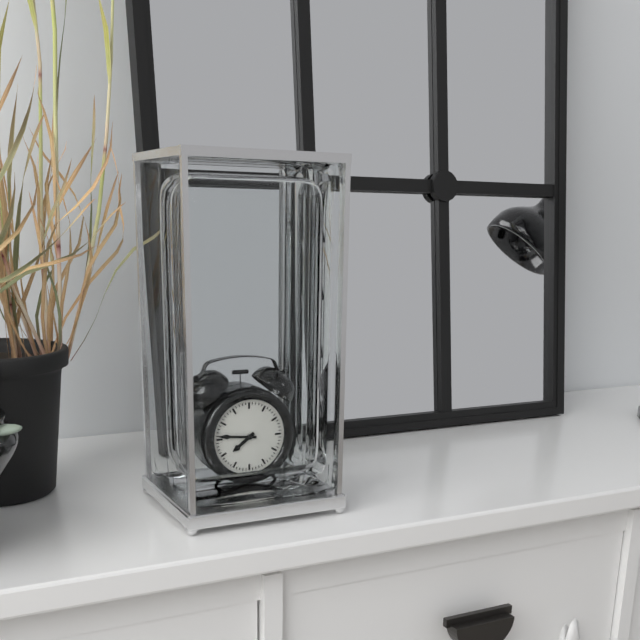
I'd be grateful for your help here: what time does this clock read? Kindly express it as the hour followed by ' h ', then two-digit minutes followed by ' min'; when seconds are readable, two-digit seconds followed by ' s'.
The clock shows 7 h 46 min
